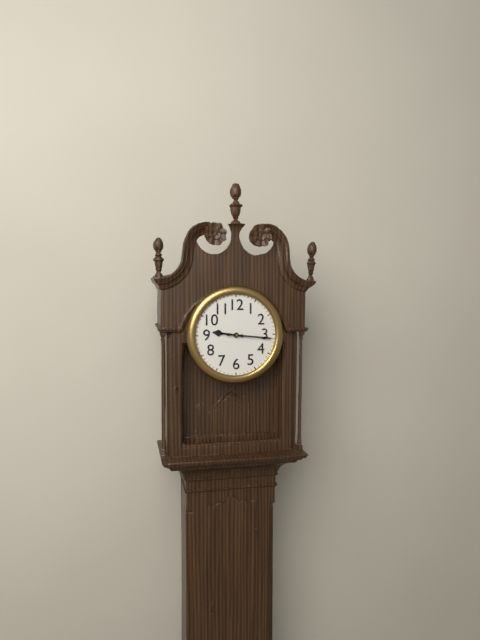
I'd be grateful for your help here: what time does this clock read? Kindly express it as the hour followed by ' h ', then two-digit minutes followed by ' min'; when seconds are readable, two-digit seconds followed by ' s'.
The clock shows 9 h 16 min
